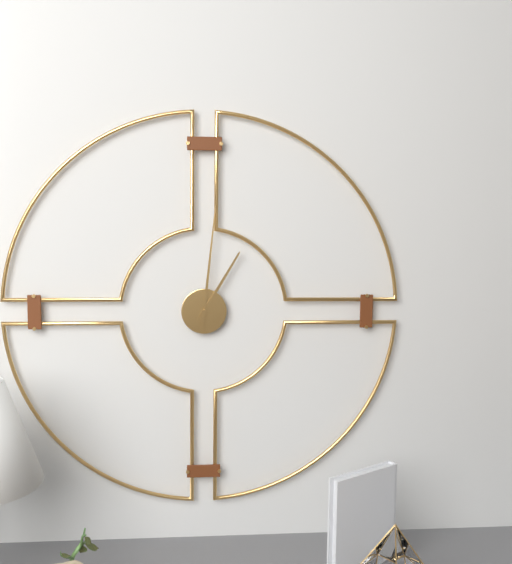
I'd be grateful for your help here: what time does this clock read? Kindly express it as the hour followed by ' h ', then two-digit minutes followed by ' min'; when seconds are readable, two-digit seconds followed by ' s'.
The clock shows 1 h 01 min
